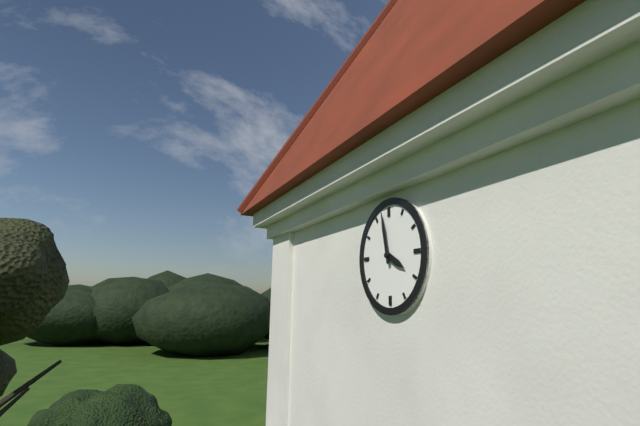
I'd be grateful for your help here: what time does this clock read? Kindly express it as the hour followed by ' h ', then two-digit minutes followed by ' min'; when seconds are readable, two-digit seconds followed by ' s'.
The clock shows 3 h 58 min
